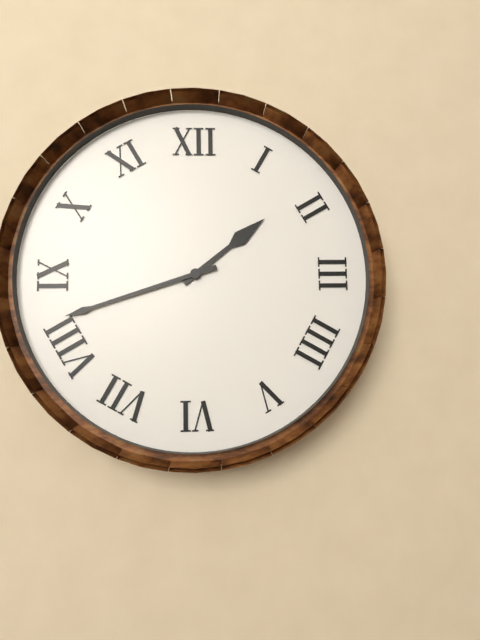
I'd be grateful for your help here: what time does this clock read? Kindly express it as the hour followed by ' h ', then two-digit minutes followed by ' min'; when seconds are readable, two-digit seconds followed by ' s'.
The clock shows 1 h 42 min
